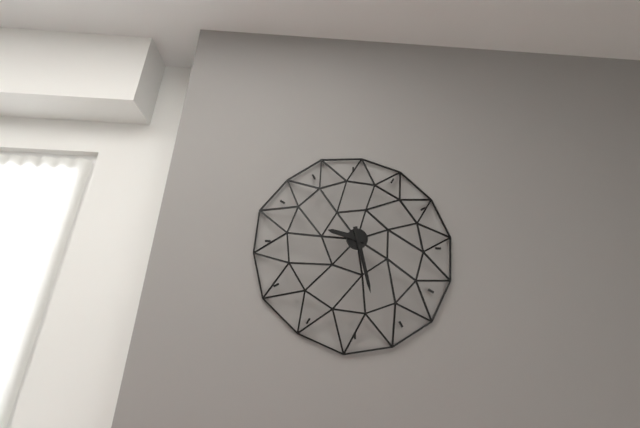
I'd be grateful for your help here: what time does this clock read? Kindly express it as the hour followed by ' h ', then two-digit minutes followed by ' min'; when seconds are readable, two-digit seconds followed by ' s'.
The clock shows 9 h 28 min
